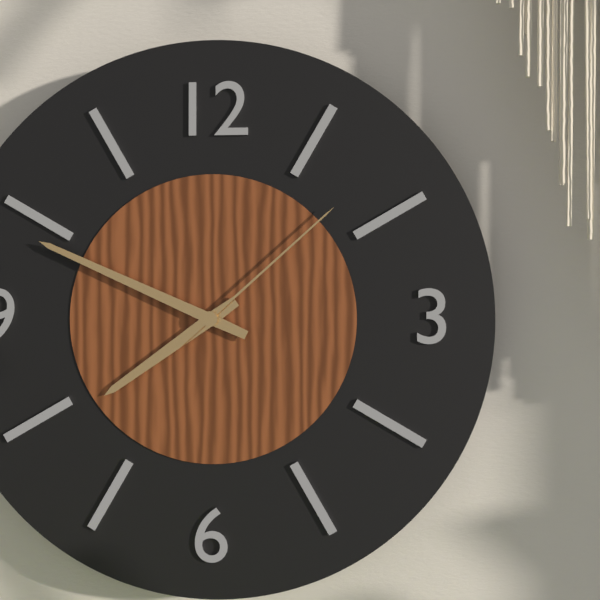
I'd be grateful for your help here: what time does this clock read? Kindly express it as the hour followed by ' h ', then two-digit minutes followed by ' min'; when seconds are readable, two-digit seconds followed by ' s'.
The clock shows 7 h 49 min 08 s
